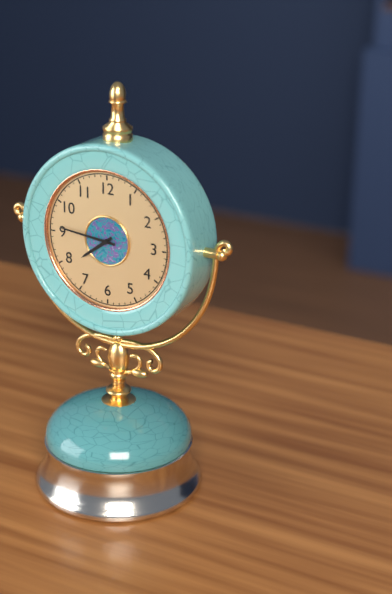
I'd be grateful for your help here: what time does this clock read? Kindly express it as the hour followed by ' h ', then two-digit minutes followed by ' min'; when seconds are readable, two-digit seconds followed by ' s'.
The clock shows 7 h 46 min
